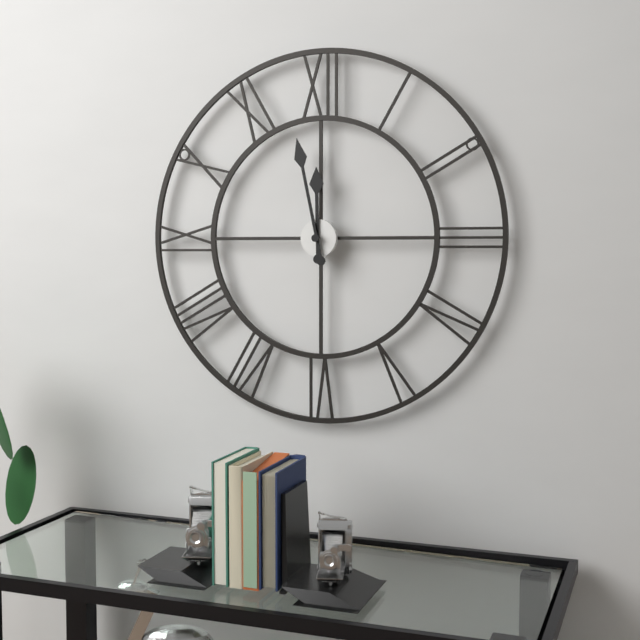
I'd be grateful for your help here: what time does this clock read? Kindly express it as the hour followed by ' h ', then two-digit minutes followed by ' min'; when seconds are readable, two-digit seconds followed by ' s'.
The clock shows 11 h 58 min
